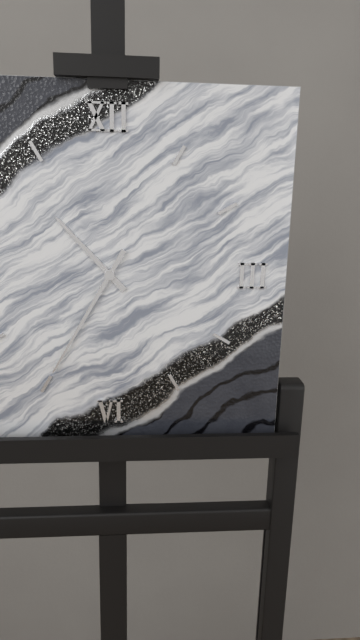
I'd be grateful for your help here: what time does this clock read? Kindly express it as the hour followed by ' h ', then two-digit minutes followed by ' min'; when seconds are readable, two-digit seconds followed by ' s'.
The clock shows 10 h 35 min
